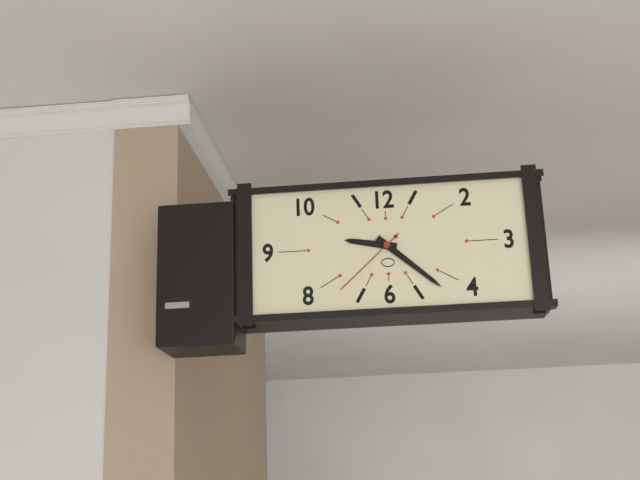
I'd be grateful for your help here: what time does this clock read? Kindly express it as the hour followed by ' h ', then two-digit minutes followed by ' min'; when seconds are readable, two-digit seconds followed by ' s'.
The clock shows 9 h 22 min 38 s
